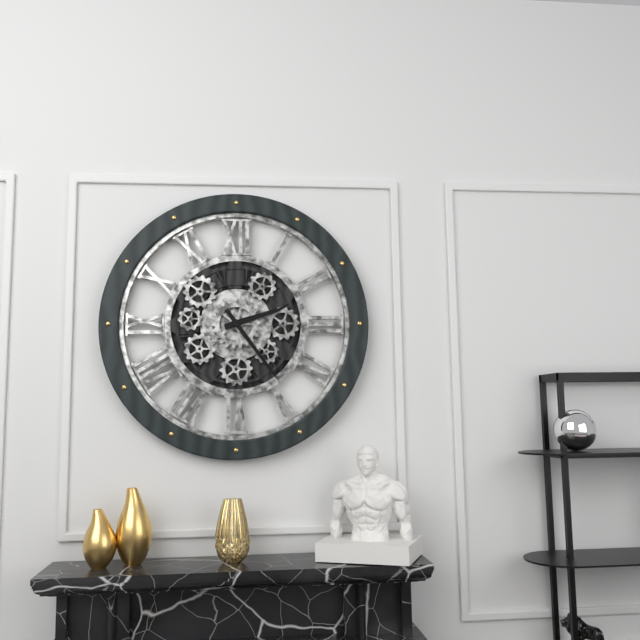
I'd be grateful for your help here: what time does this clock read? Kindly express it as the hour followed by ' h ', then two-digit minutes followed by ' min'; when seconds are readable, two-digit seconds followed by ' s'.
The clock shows 2 h 24 min
